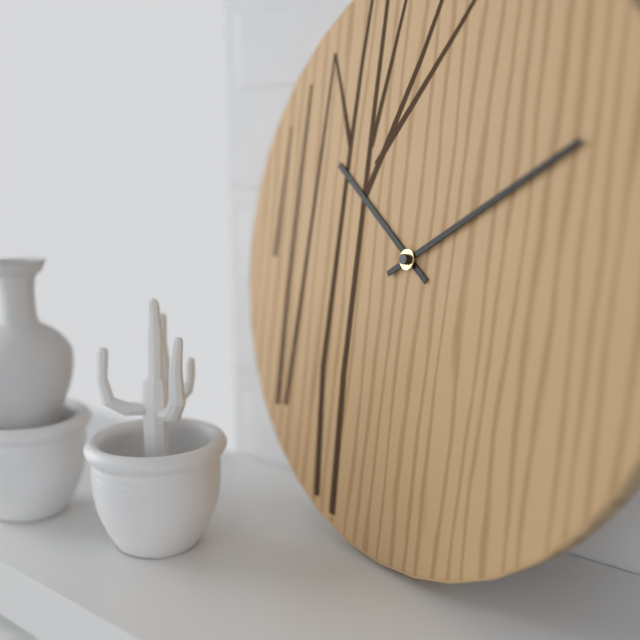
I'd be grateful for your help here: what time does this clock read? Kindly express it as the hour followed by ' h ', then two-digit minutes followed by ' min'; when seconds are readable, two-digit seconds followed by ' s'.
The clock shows 10 h 10 min
